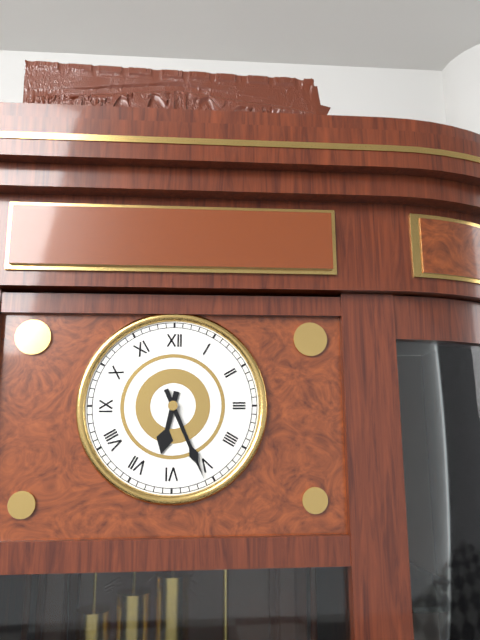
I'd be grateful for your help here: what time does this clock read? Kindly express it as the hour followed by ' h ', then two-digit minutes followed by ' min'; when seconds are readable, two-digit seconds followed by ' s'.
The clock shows 6 h 26 min
